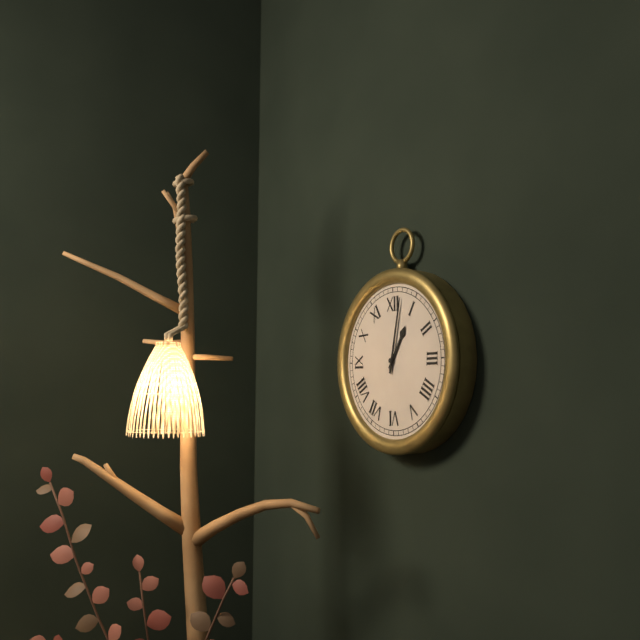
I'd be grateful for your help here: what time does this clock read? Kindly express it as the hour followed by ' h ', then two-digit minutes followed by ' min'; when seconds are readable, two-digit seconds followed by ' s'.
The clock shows 1 h 02 min
